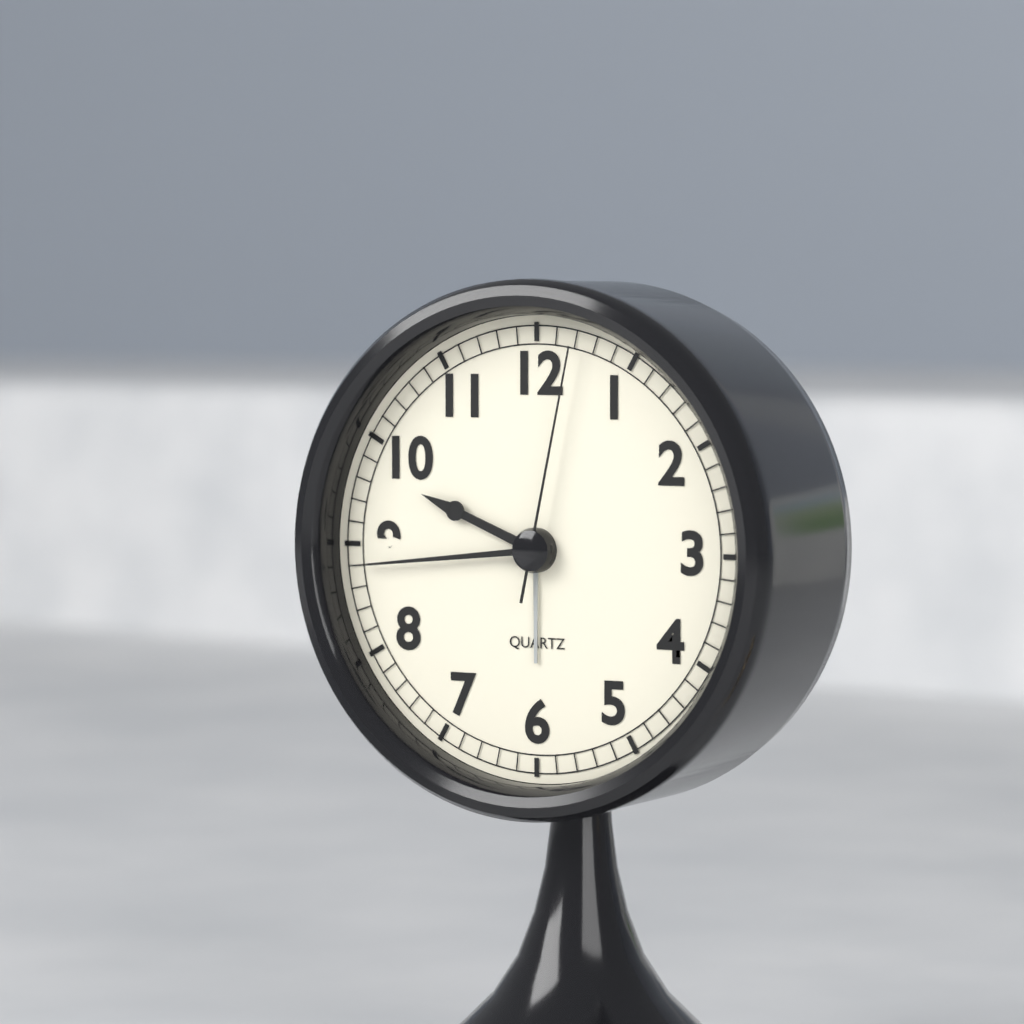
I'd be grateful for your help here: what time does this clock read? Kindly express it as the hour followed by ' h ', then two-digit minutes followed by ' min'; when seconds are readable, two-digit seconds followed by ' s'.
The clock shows 9 h 44 min 02 s
